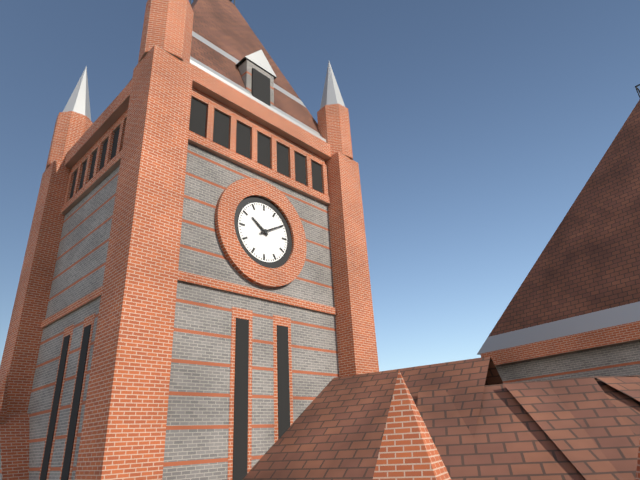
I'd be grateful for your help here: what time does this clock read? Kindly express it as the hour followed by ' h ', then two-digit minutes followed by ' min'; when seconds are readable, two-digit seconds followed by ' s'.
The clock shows 10 h 10 min
